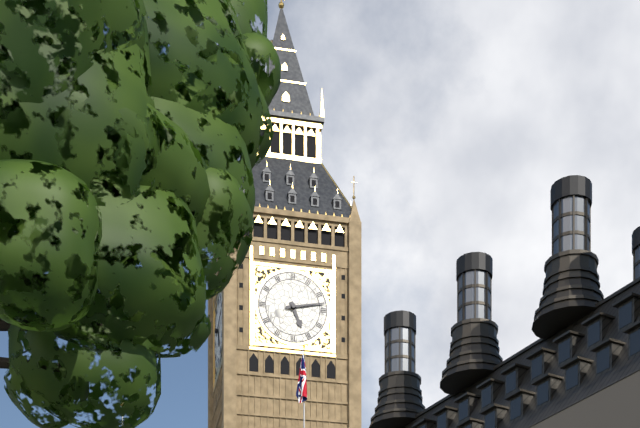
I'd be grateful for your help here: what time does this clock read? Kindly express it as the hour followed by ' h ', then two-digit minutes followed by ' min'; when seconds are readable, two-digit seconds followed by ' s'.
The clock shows 5 h 13 min
